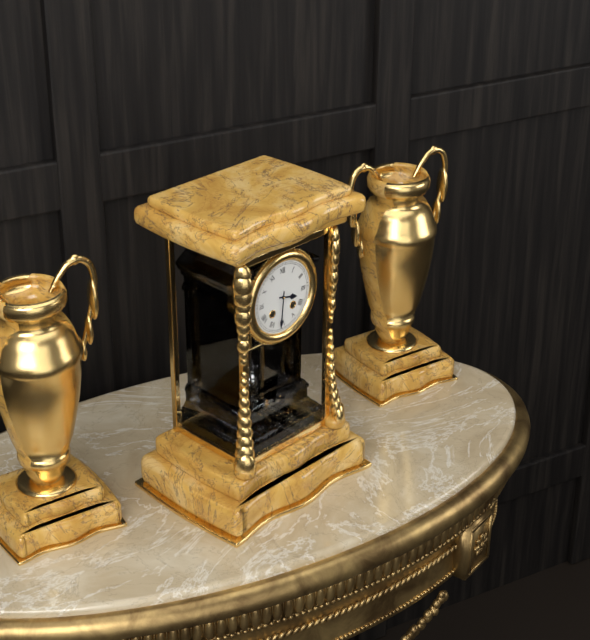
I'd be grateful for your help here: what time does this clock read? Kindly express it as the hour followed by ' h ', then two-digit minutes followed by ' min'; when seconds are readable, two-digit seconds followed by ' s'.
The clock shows 3 h 31 min
